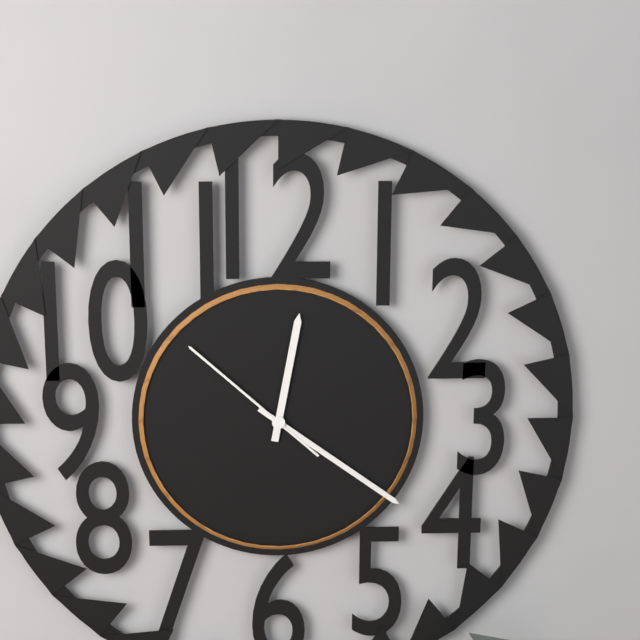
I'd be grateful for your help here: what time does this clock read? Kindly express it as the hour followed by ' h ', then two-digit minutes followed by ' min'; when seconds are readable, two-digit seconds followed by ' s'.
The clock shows 12 h 21 min 52 s
